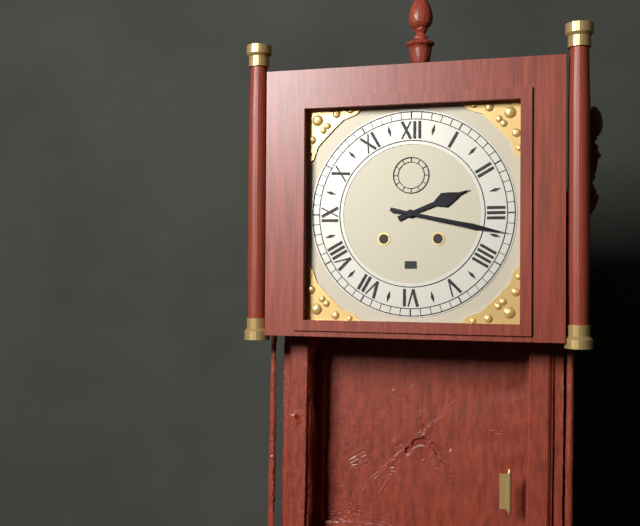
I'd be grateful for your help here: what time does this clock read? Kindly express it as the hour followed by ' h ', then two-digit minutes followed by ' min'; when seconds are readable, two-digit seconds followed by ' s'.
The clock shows 2 h 17 min
